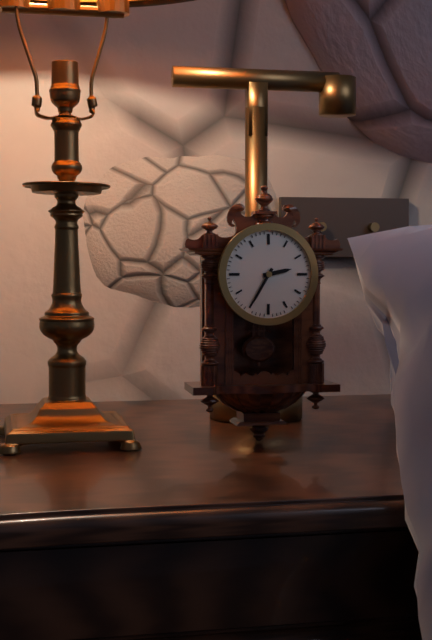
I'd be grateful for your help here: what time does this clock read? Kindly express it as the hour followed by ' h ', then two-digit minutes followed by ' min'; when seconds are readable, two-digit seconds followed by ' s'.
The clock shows 2 h 35 min
